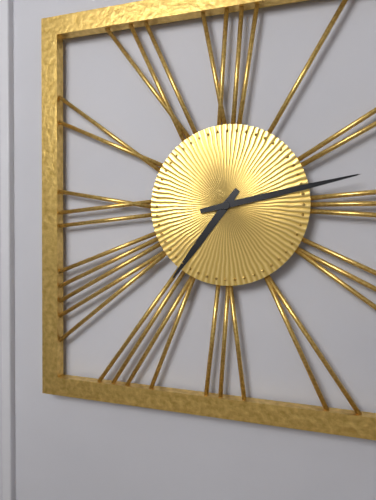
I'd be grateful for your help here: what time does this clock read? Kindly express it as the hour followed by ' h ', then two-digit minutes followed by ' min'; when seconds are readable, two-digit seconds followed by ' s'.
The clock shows 7 h 13 min
